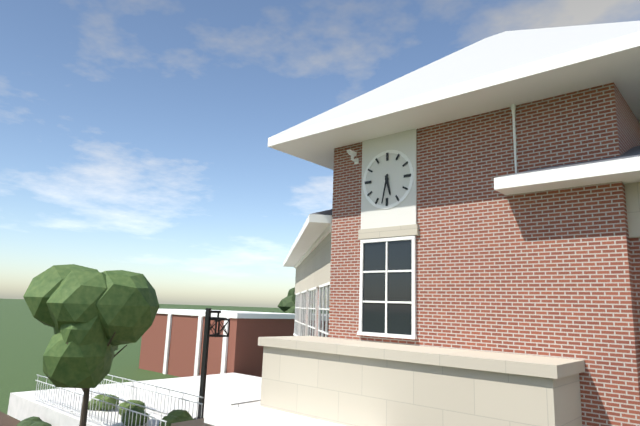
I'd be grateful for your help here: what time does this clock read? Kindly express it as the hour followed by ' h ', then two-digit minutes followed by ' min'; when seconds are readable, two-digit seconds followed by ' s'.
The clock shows 5 h 32 min
